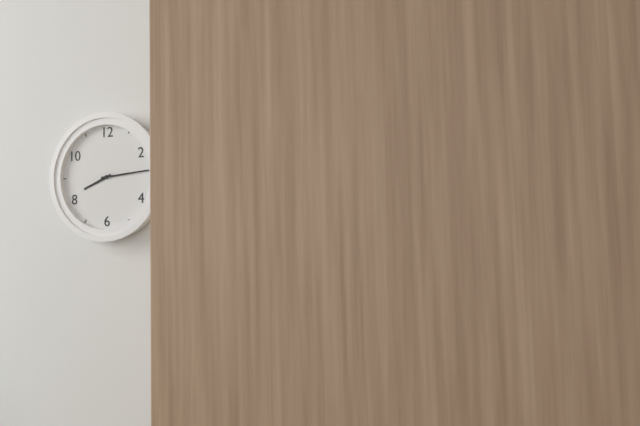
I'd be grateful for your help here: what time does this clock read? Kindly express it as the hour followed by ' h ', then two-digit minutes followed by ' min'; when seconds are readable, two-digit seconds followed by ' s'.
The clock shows 8 h 14 min
